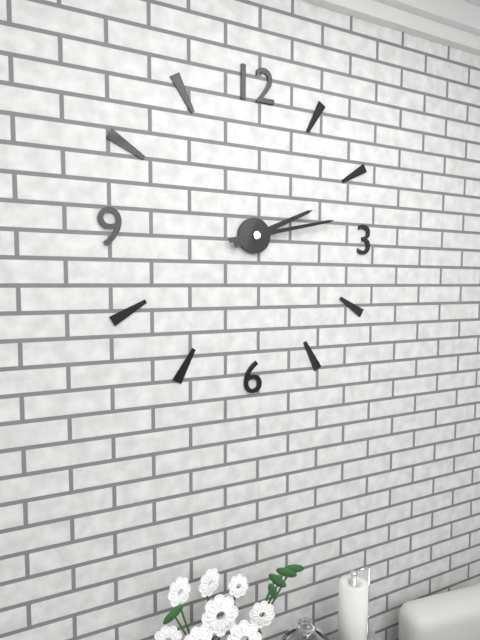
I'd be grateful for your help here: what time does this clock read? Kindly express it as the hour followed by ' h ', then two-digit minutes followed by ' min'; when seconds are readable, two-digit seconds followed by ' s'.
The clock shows 2 h 13 min
